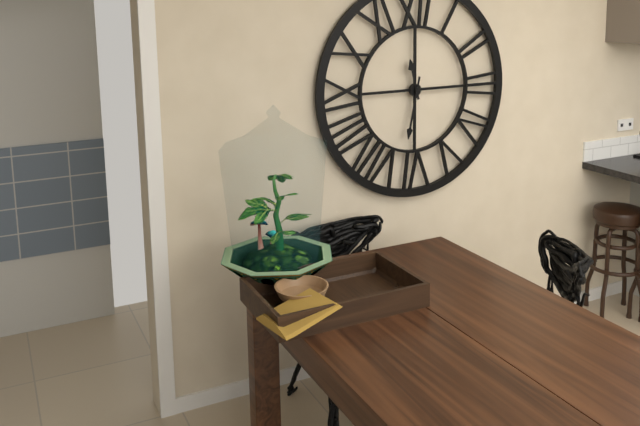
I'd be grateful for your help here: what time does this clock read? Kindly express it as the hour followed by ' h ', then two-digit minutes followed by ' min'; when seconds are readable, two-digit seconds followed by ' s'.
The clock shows 11 h 32 min
